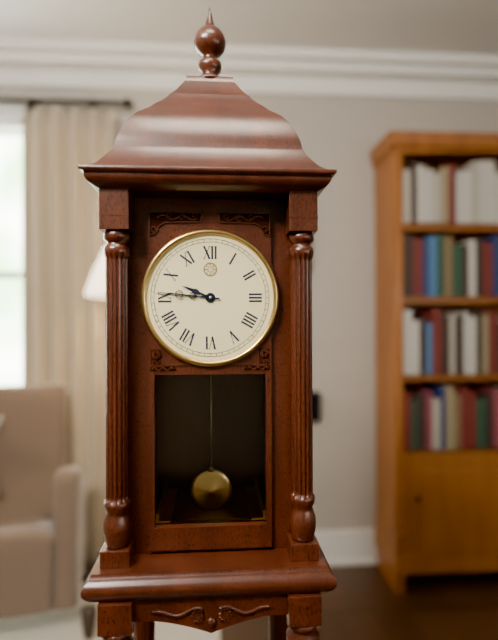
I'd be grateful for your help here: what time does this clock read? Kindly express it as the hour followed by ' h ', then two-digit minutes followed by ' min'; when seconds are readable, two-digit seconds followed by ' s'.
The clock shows 9 h 46 min
